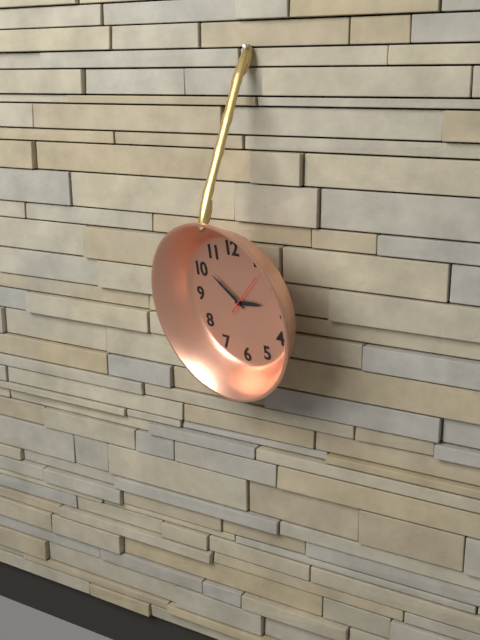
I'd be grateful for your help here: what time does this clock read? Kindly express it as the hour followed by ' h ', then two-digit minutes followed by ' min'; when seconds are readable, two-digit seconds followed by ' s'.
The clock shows 2 h 51 min
